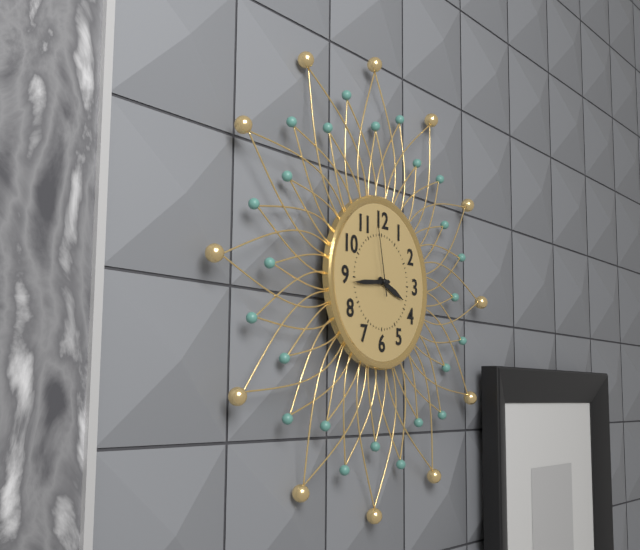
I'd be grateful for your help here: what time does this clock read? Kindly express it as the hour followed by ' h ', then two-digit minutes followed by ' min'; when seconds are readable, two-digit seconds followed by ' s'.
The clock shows 3 h 44 min 58 s
